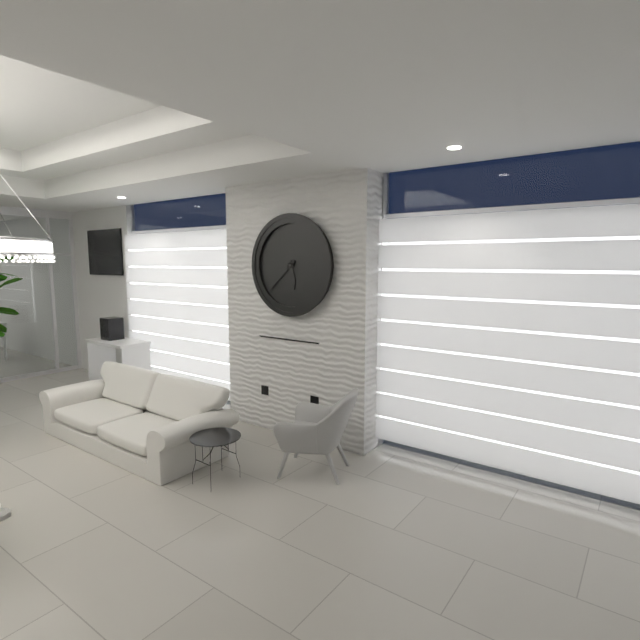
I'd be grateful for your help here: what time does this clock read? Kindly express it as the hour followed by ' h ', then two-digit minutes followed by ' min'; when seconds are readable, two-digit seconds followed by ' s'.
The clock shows 5 h 38 min
